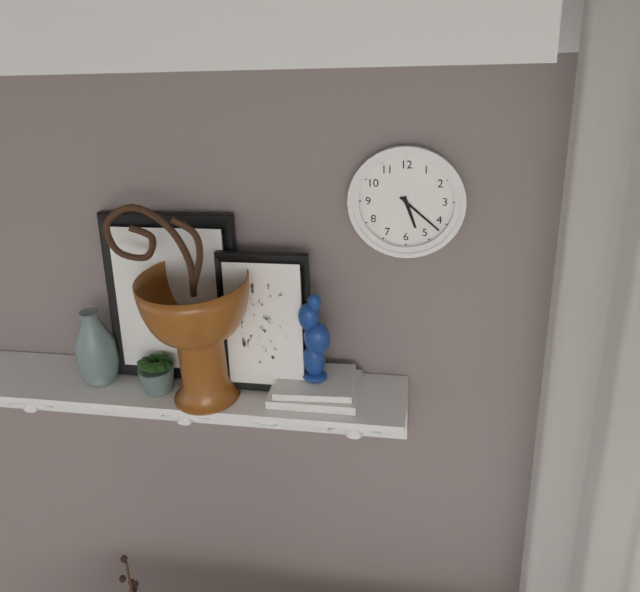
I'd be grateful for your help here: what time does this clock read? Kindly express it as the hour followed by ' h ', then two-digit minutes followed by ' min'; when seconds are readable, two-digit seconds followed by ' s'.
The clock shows 5 h 22 min
